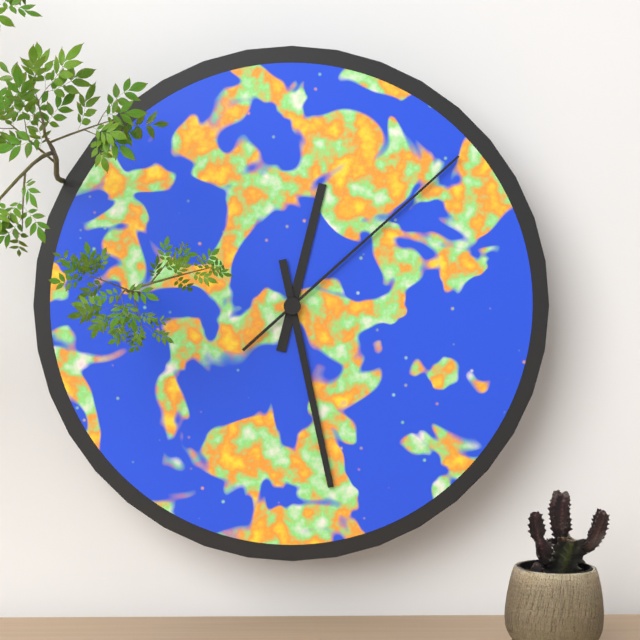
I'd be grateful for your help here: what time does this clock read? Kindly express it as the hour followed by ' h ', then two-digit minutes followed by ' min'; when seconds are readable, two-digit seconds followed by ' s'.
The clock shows 12 h 28 min 08 s
